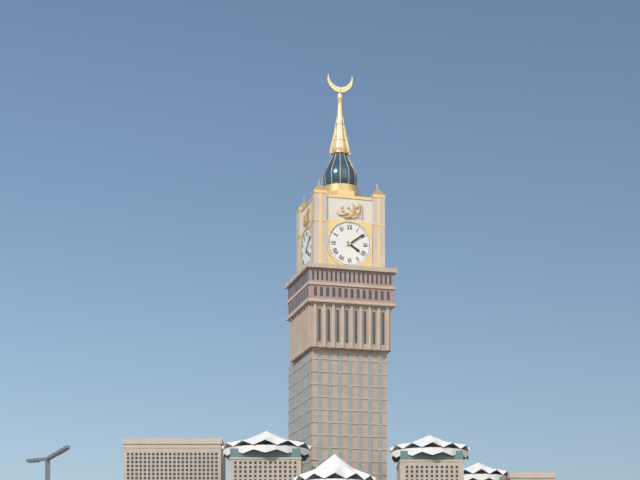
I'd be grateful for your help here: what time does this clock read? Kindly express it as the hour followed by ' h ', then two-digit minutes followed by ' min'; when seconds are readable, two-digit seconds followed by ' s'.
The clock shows 4 h 09 min
